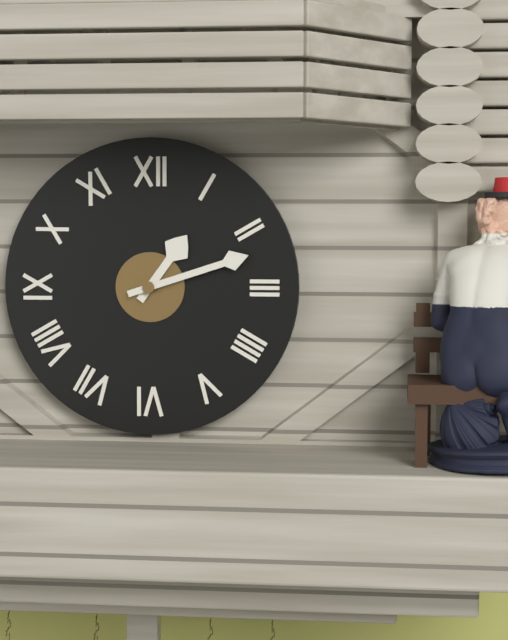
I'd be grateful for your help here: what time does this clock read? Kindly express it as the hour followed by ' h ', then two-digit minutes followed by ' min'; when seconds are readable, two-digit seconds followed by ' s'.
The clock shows 1 h 12 min
